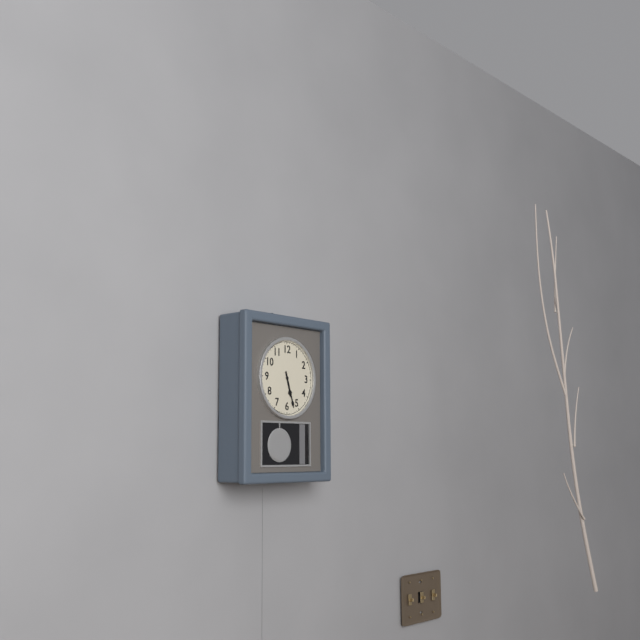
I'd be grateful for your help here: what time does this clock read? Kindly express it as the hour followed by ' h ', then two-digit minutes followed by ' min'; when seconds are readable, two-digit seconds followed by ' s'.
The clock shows 5 h 27 min
